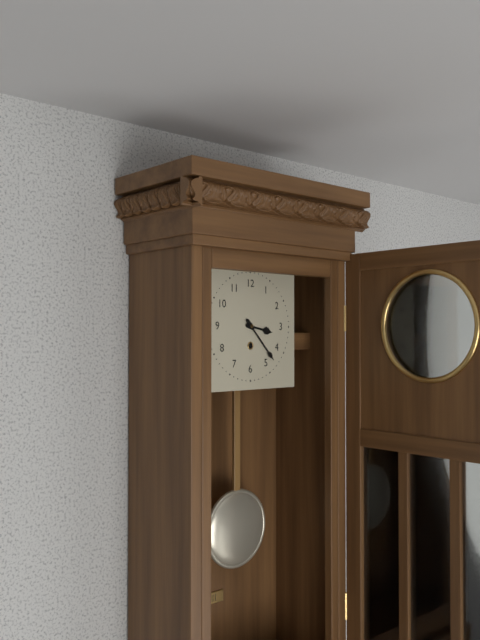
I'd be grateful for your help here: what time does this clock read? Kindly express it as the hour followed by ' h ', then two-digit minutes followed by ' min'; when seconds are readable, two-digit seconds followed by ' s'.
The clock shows 3 h 23 min
